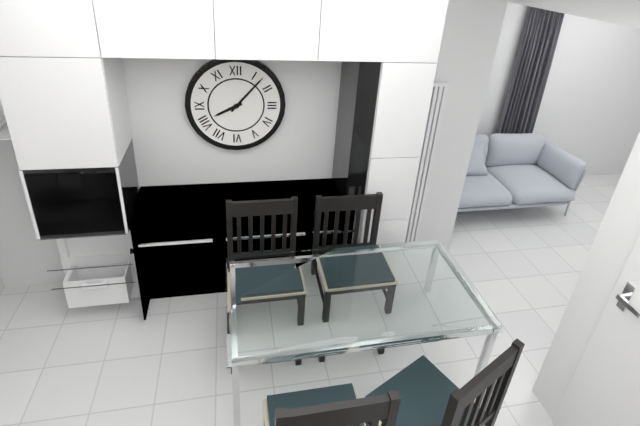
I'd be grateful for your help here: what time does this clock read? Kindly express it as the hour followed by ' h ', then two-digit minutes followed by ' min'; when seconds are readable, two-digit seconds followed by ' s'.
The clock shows 8 h 07 min
